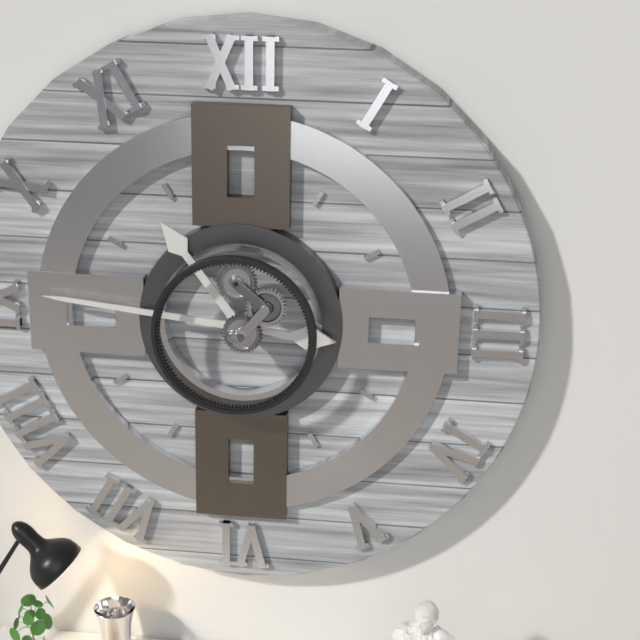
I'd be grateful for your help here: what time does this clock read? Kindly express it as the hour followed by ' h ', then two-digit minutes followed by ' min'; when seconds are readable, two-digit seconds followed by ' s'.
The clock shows 10 h 46 min
